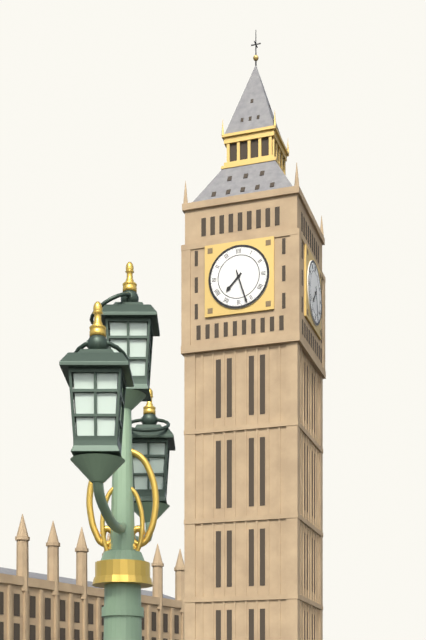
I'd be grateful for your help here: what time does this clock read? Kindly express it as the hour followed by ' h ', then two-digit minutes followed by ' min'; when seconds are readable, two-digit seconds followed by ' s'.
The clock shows 7 h 27 min
